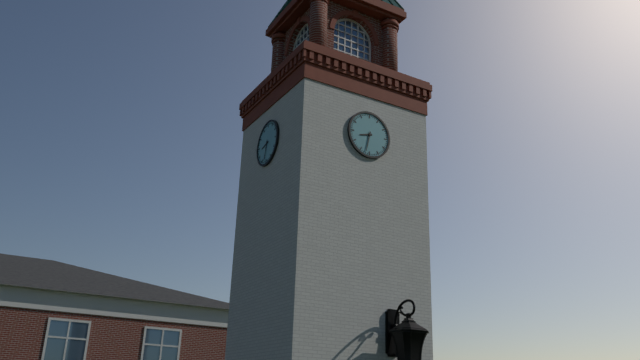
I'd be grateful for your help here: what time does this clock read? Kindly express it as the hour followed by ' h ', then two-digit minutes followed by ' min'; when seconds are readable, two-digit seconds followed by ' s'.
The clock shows 8 h 32 min
